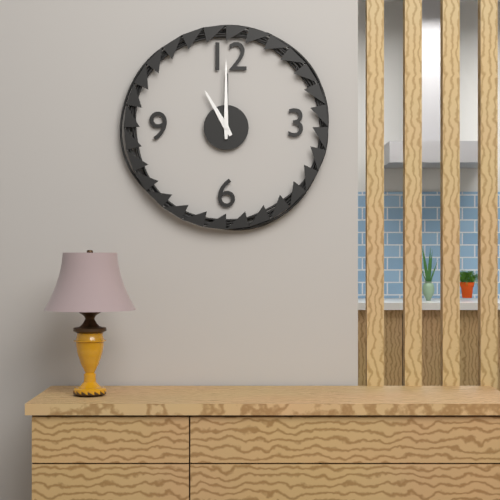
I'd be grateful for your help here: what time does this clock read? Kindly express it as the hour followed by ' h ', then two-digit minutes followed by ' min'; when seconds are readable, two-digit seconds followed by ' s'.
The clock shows 11 h 00 min
